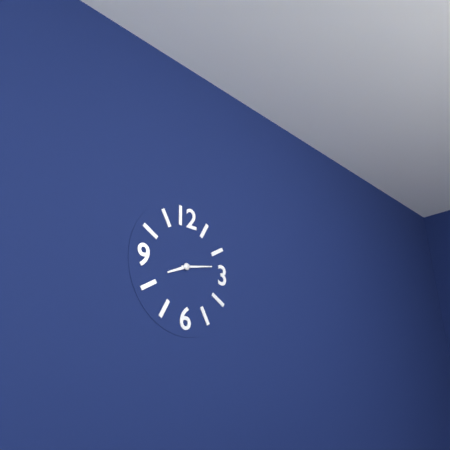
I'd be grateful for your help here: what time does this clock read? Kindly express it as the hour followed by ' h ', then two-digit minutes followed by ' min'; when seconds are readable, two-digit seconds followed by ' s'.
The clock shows 8 h 13 min
